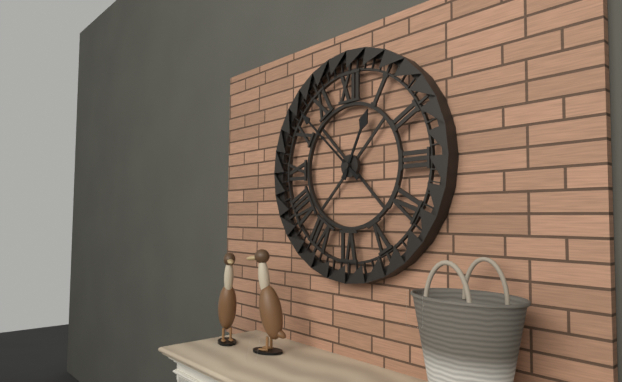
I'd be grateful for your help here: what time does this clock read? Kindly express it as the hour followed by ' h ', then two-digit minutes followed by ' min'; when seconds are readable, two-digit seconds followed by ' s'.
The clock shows 12 h 52 min
